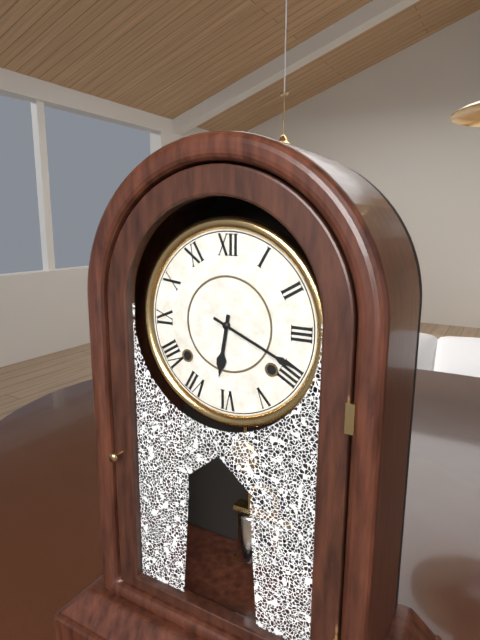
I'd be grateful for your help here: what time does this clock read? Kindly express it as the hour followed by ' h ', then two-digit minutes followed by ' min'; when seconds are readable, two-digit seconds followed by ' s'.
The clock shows 6 h 19 min
